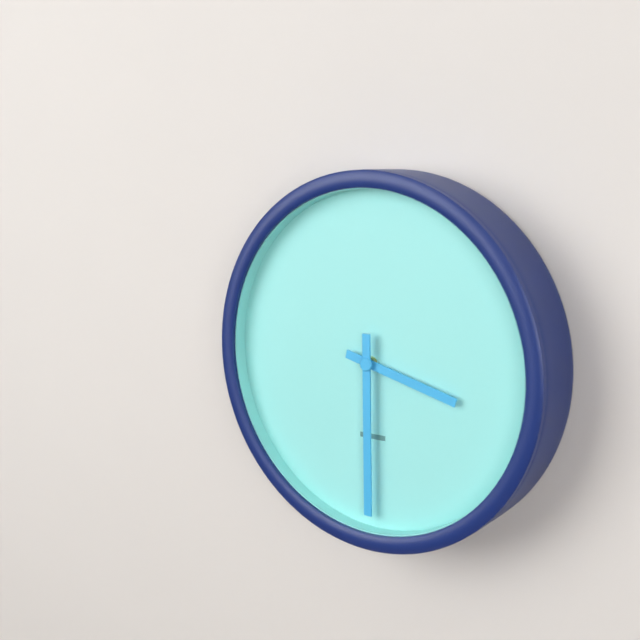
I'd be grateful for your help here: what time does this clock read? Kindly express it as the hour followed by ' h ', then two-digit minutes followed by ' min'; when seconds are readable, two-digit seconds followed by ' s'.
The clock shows 3 h 30 min
